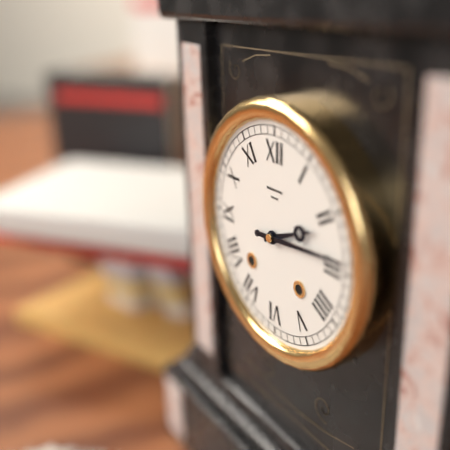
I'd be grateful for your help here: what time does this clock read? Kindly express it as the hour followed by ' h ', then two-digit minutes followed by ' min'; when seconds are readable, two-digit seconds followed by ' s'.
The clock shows 2 h 14 min
